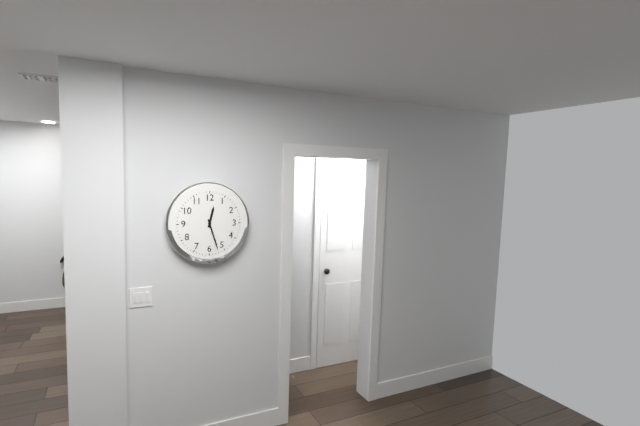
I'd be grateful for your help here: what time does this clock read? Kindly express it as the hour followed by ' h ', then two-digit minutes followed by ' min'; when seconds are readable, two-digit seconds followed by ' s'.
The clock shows 12 h 27 min
